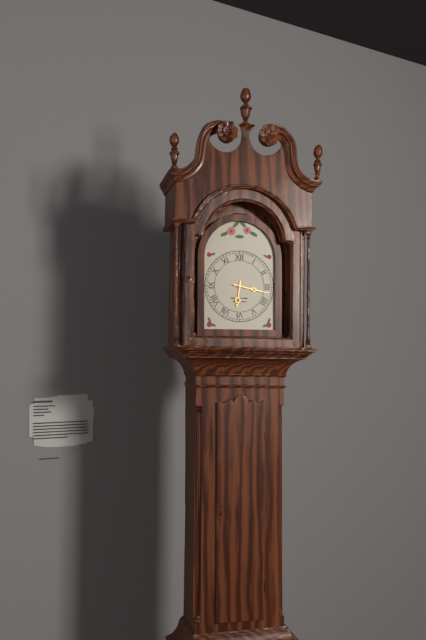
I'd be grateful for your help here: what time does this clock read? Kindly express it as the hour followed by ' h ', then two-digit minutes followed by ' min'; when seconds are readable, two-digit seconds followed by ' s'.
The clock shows 6 h 17 min
